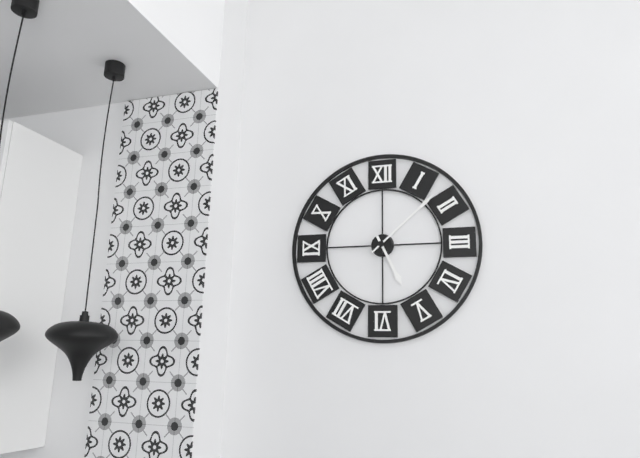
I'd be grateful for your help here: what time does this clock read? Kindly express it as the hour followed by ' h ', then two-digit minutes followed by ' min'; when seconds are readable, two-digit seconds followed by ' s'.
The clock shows 5 h 08 min
